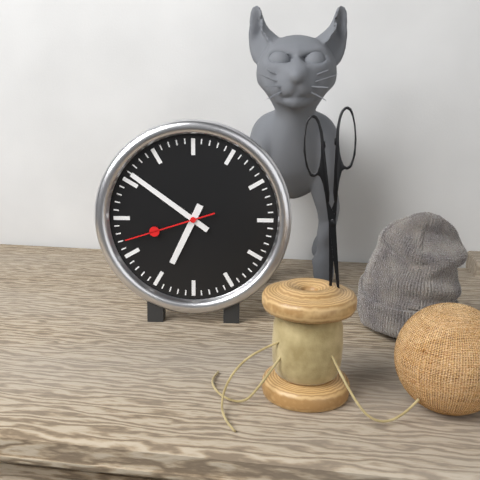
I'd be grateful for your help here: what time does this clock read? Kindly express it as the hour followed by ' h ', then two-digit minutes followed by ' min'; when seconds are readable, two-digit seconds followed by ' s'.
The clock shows 6 h 51 min 42 s
